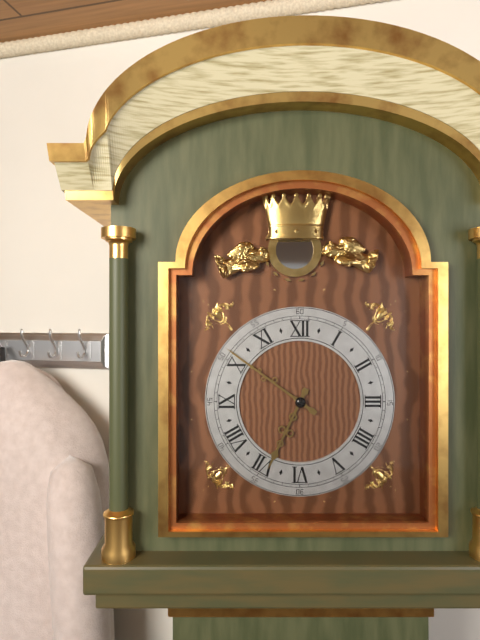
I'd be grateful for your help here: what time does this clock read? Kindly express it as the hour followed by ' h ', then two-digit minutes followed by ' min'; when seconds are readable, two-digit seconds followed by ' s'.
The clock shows 6 h 51 min
